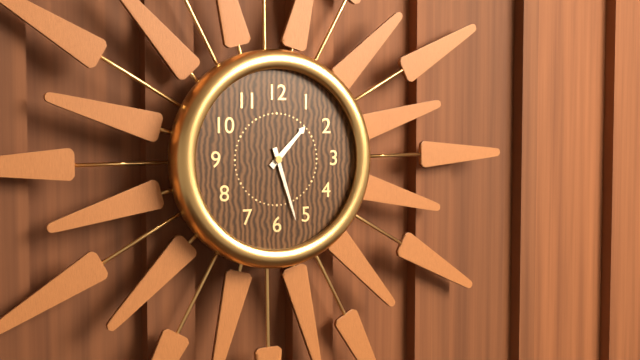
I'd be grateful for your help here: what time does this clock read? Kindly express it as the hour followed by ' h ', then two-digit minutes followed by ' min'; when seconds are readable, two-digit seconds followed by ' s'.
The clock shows 1 h 27 min
